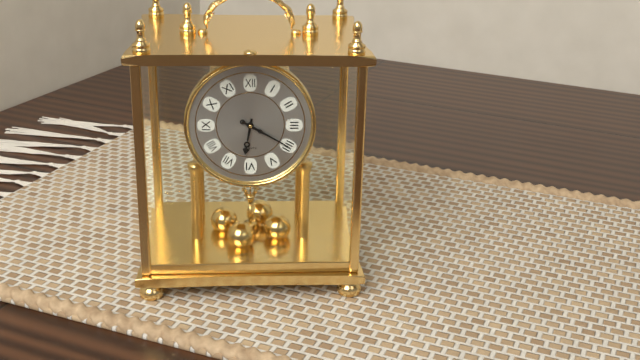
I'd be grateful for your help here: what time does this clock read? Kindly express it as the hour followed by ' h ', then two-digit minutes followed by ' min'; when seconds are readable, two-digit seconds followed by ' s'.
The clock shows 6 h 20 min
